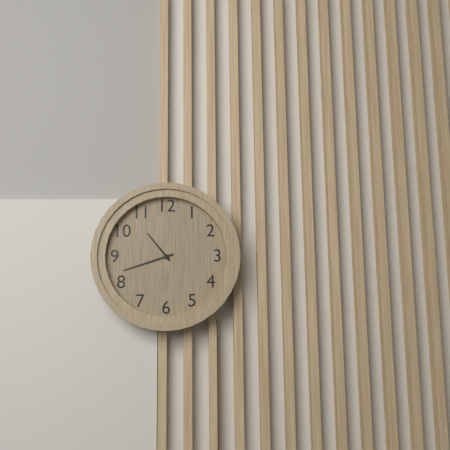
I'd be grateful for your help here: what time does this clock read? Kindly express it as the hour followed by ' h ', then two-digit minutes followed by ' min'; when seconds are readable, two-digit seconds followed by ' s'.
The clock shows 10 h 42 min
